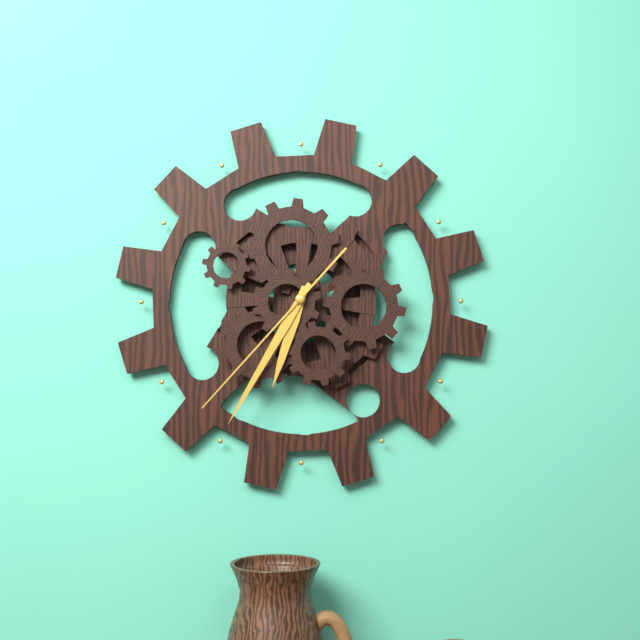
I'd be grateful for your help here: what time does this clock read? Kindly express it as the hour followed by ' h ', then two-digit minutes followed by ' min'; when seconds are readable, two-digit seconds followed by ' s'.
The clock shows 6 h 35 min 37 s
